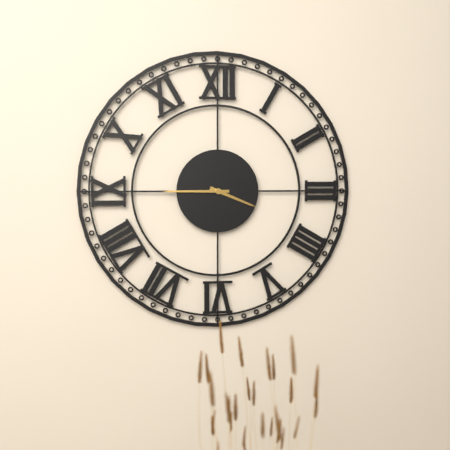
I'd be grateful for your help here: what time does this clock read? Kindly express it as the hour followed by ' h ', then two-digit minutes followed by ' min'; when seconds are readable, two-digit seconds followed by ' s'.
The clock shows 3 h 45 min
